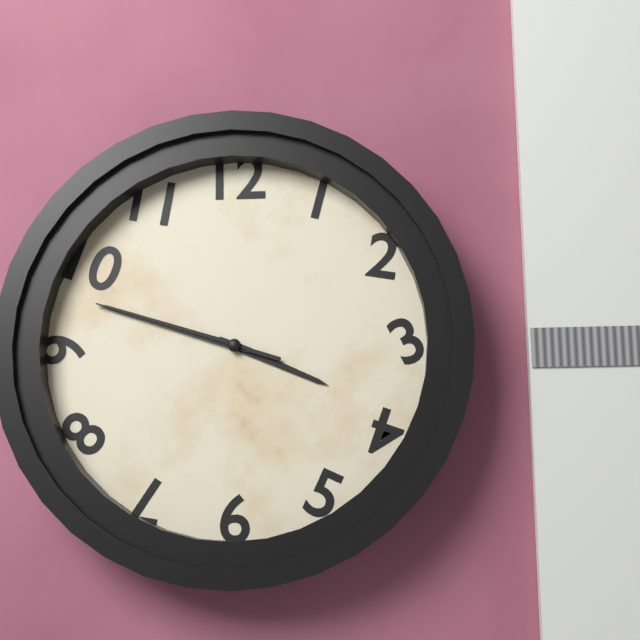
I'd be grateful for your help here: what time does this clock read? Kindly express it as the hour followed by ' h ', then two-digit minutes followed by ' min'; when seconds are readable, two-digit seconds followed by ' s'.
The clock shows 3 h 48 min 48 s
